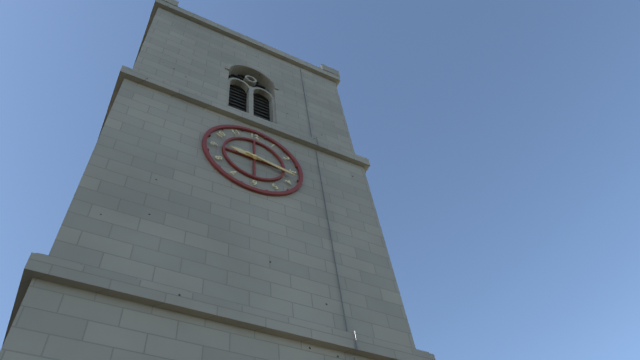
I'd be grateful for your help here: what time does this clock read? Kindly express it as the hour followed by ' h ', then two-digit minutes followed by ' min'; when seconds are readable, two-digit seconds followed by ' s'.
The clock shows 9 h 17 min
